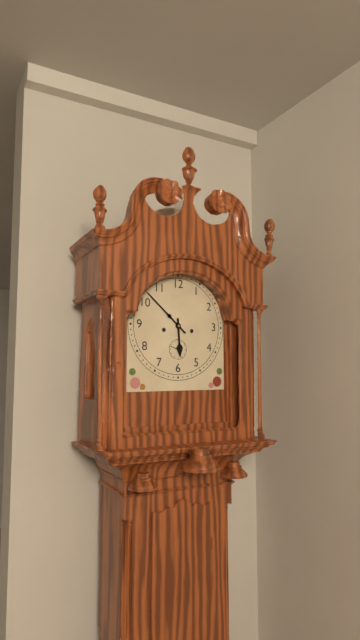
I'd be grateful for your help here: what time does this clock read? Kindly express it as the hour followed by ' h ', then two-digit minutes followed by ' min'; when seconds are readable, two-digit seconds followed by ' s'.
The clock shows 5 h 52 min
